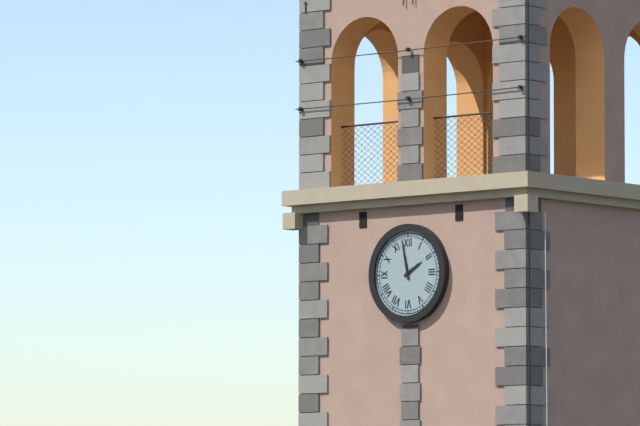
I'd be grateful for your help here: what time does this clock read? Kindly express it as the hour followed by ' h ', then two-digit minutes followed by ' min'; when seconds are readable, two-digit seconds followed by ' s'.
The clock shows 1 h 58 min
